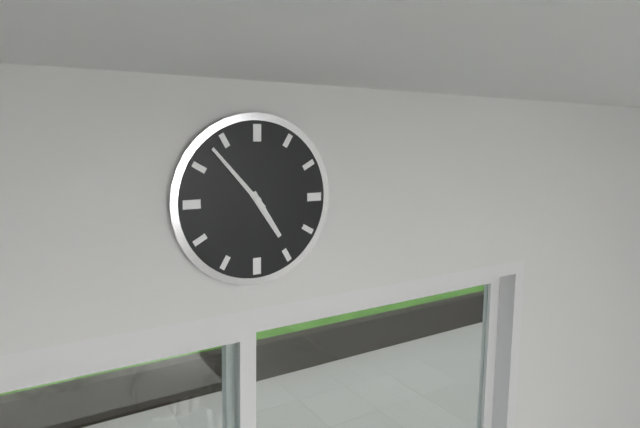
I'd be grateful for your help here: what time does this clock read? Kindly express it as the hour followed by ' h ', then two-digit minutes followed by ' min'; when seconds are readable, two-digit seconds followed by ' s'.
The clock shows 4 h 53 min
